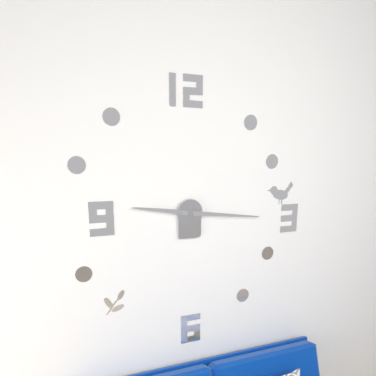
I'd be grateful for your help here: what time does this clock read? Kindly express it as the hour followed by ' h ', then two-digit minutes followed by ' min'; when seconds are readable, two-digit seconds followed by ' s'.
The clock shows 9 h 16 min
